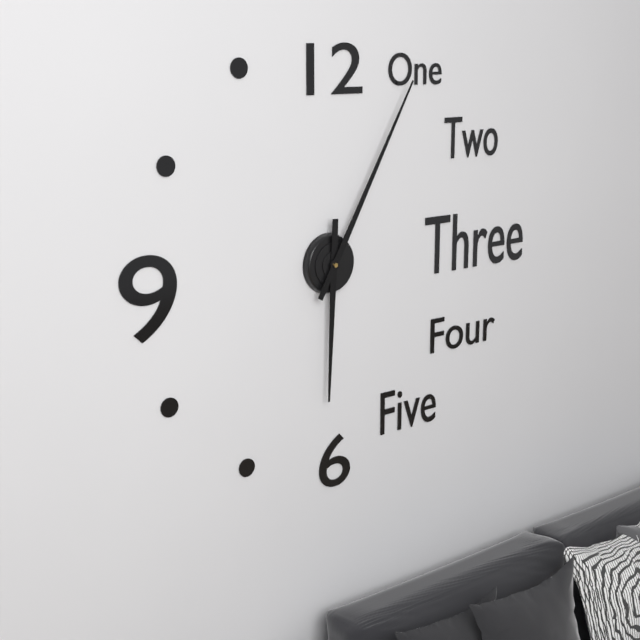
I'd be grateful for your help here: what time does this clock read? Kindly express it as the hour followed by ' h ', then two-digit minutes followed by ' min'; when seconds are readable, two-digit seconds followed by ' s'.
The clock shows 6 h 05 min
